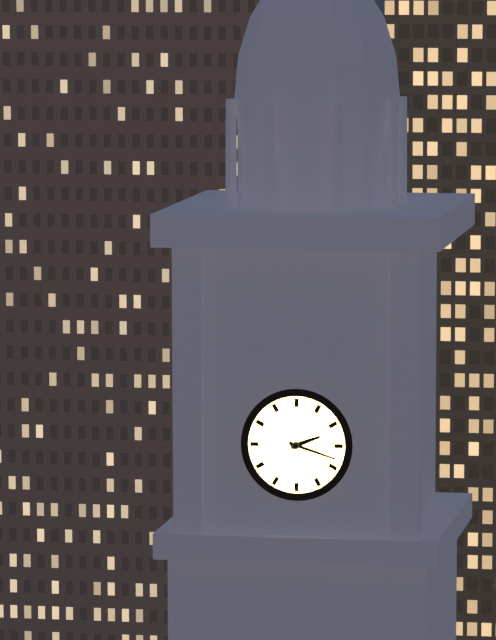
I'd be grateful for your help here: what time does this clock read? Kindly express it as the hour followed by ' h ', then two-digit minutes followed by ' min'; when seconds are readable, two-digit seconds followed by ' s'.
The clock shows 2 h 18 min
